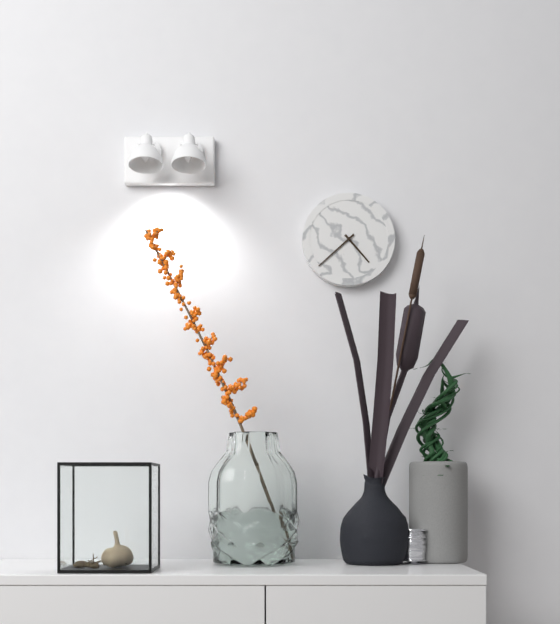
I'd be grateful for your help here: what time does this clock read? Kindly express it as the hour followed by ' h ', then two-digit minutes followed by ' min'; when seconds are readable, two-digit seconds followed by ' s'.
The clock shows 4 h 38 min
